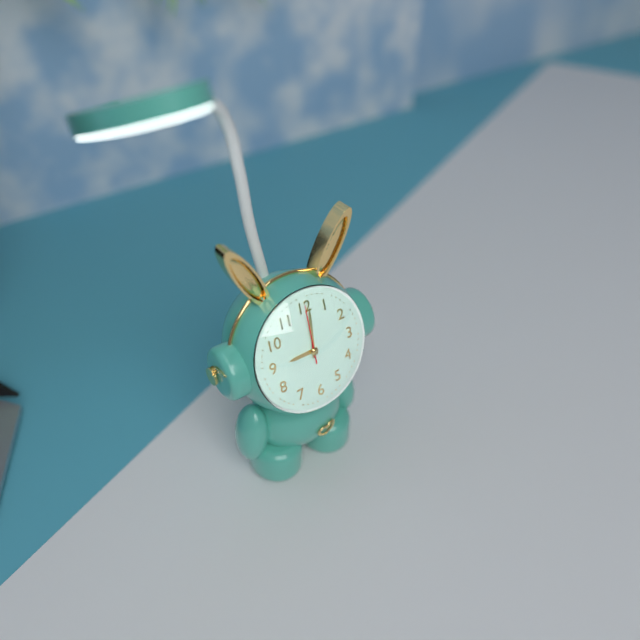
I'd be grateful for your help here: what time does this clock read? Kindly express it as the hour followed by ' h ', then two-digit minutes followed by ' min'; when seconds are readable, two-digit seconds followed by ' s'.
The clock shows 9 h 01 min 00 s
